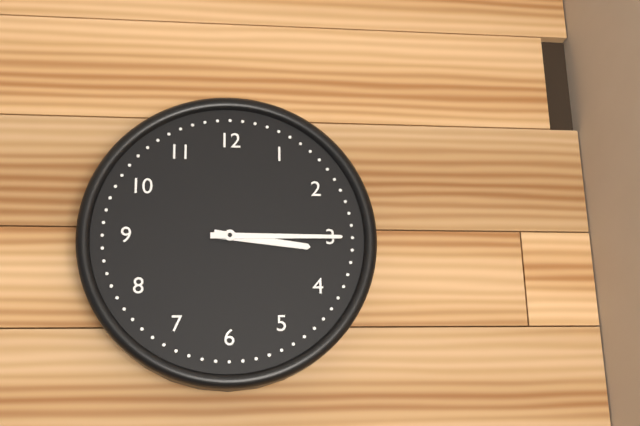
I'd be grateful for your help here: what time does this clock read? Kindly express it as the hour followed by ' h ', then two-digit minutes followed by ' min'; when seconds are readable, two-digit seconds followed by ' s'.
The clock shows 3 h 15 min
